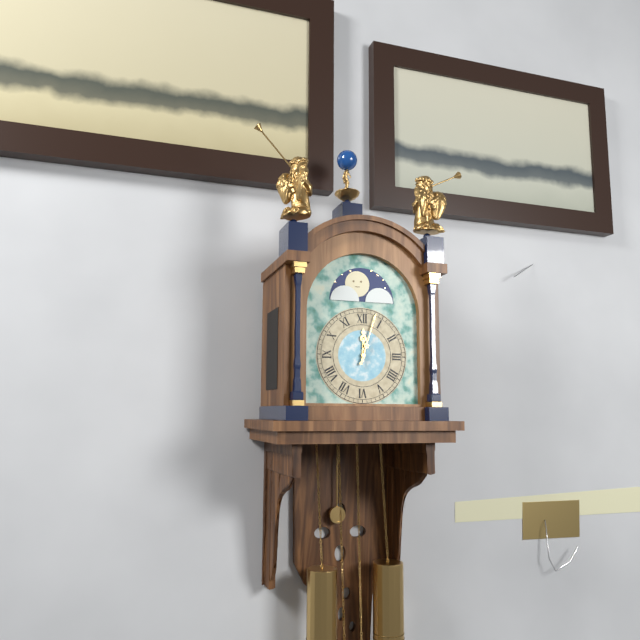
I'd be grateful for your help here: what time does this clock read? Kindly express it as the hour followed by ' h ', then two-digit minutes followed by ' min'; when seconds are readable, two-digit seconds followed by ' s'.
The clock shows 12 h 03 min
